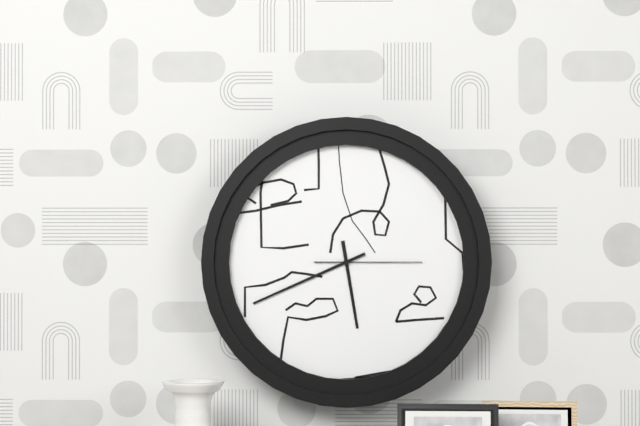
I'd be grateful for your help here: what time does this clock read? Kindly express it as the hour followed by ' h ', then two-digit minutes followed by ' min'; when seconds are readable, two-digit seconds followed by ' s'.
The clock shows 5 h 41 min 15 s
